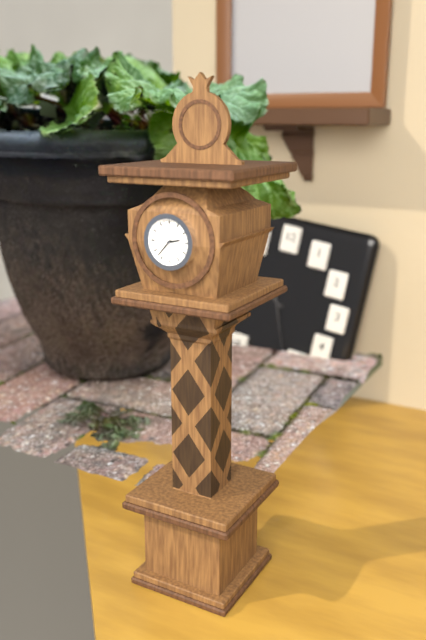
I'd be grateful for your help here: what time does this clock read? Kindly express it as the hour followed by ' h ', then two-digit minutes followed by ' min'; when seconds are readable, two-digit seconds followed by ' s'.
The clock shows 2 h 37 min
